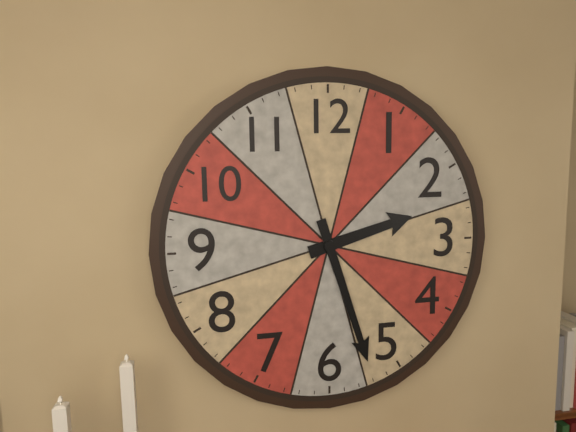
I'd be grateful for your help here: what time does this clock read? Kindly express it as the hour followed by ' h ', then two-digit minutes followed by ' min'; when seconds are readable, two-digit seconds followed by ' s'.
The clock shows 2 h 27 min
